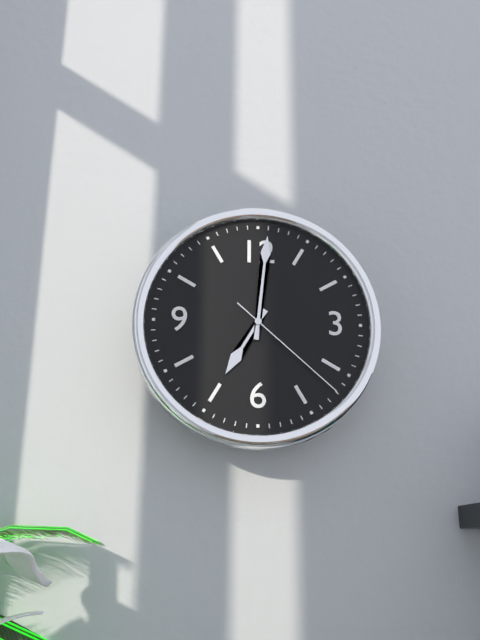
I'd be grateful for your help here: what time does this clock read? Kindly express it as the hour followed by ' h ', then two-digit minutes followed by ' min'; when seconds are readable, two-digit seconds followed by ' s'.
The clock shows 7 h 01 min 22 s
